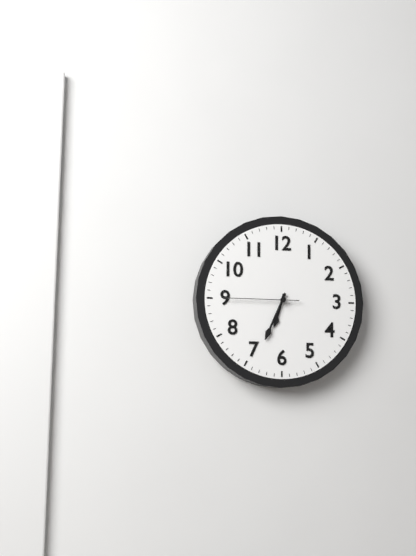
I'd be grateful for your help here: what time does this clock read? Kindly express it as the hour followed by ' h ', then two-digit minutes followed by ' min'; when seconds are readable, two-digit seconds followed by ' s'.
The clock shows 6 h 34 min 45 s
